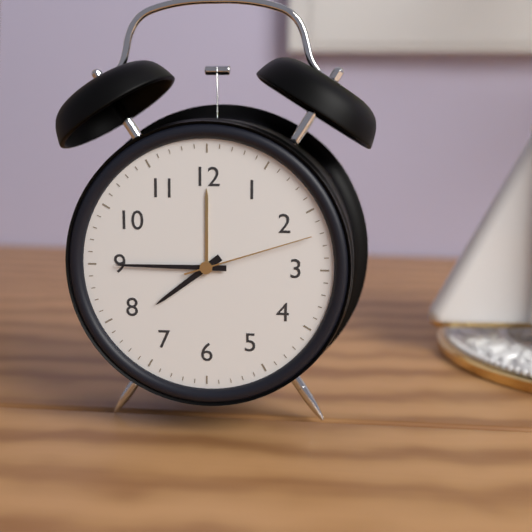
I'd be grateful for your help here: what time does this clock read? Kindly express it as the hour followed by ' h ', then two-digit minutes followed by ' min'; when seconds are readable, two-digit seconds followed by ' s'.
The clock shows 7 h 45 min 12 s
